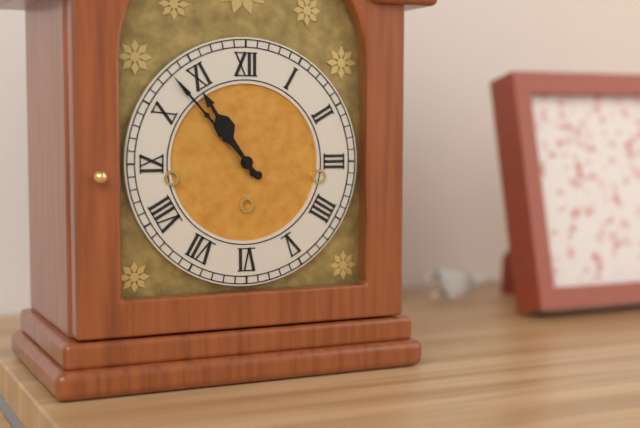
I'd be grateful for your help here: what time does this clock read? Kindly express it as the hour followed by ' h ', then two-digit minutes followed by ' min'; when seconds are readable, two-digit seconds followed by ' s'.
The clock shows 10 h 53 min
